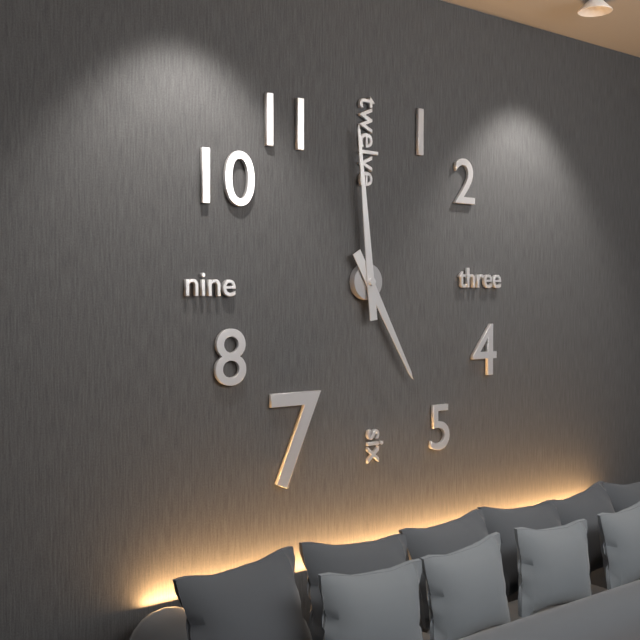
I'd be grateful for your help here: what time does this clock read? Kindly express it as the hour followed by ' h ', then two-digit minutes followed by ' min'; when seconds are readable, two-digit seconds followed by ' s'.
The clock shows 4 h 59 min
